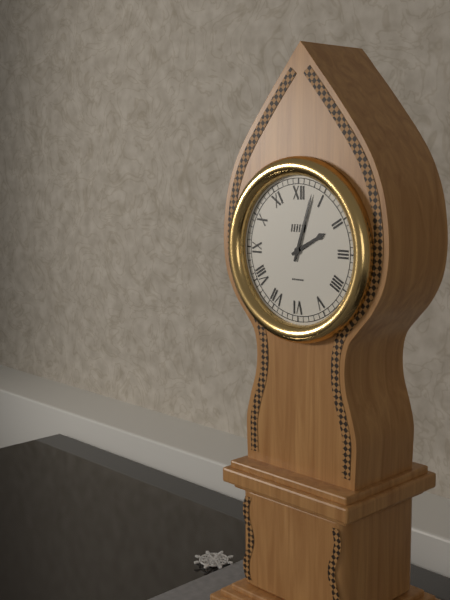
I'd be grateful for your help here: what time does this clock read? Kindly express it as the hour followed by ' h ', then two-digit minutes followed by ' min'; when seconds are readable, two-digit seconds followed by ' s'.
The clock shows 2 h 03 min
